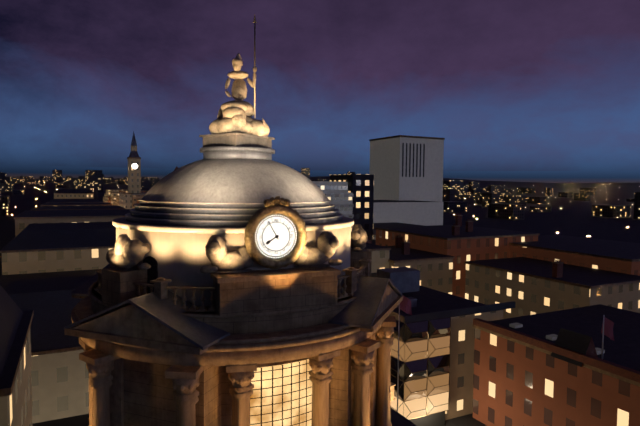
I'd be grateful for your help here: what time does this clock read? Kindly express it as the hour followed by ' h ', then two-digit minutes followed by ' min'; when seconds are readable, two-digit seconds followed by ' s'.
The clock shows 7 h 55 min
